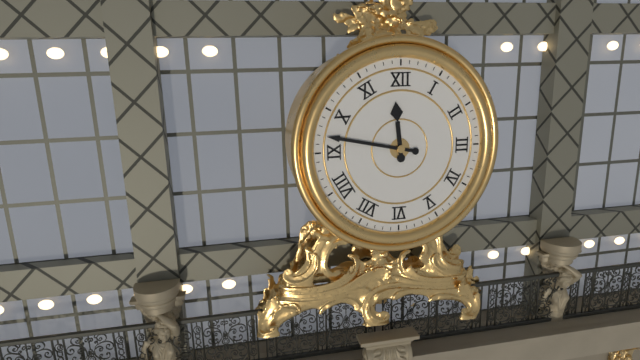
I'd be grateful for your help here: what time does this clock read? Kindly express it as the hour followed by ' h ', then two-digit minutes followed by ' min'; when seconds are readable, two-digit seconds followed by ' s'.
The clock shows 11 h 47 min
